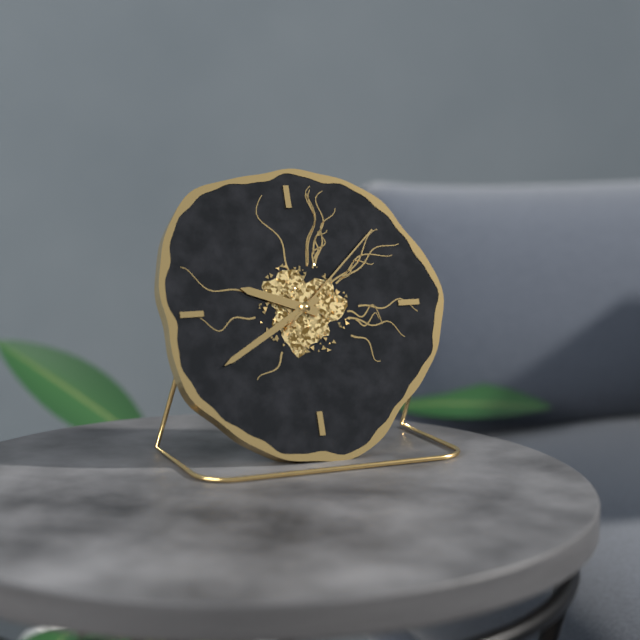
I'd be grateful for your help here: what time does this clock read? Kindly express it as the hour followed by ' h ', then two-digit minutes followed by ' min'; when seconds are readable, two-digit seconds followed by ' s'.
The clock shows 9 h 40 min 08 s
